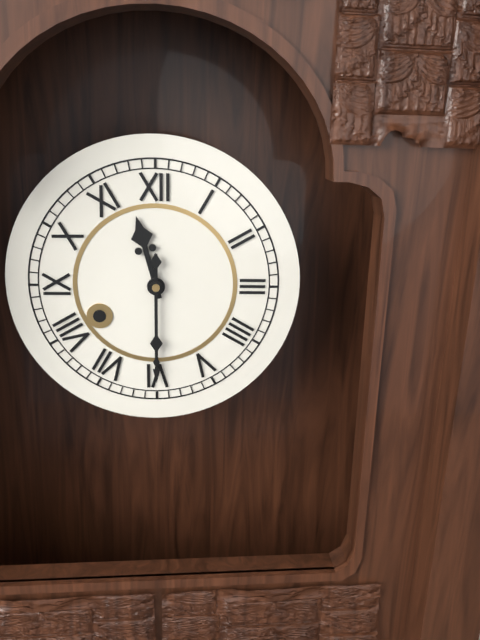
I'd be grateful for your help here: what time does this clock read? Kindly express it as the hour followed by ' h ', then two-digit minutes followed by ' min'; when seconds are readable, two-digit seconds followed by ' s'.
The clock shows 11 h 30 min
